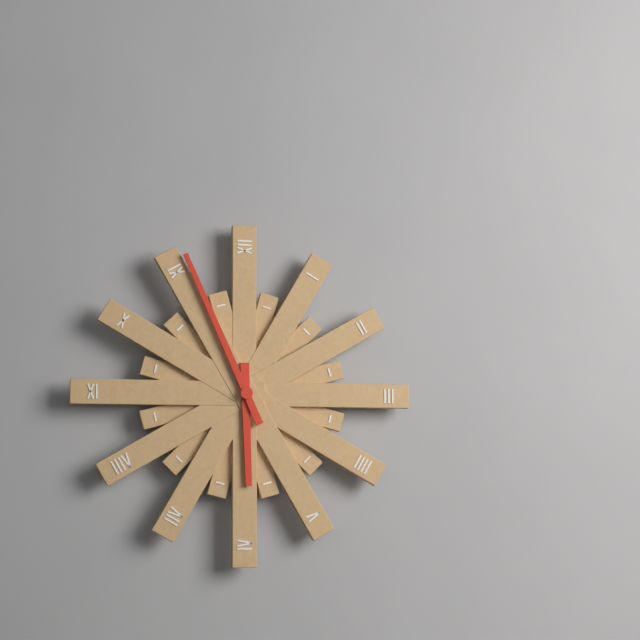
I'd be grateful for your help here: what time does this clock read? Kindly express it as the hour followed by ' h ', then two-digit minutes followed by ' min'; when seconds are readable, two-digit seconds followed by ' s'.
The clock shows 5 h 56 min
